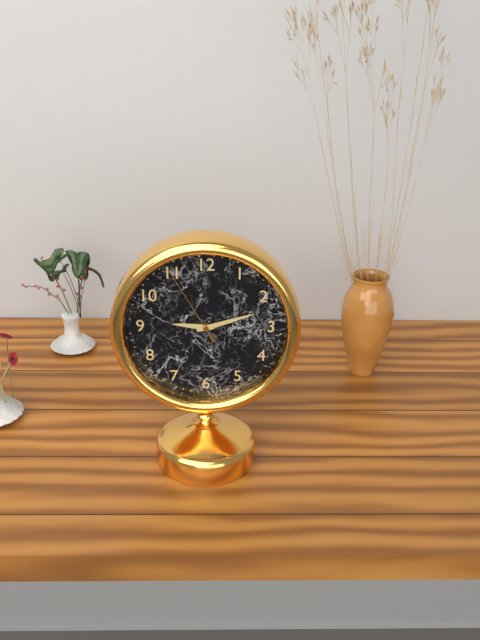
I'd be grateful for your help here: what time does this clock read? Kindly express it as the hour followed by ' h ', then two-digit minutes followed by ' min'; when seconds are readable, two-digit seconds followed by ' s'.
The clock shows 9 h 12 min 55 s
